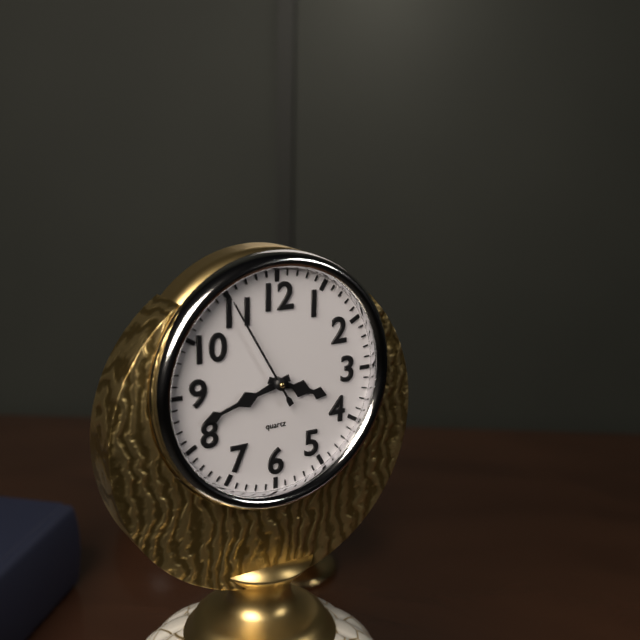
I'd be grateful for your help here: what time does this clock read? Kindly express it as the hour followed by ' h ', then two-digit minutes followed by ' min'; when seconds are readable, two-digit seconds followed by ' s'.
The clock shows 3 h 42 min 55 s
